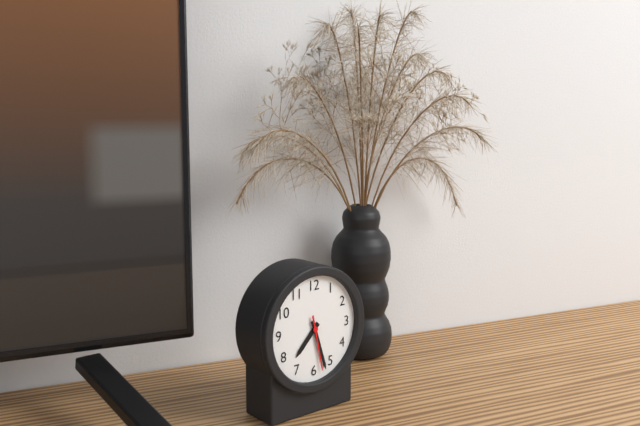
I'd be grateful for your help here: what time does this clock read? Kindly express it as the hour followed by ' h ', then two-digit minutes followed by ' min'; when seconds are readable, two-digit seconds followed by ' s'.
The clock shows 7 h 27 min 28 s
